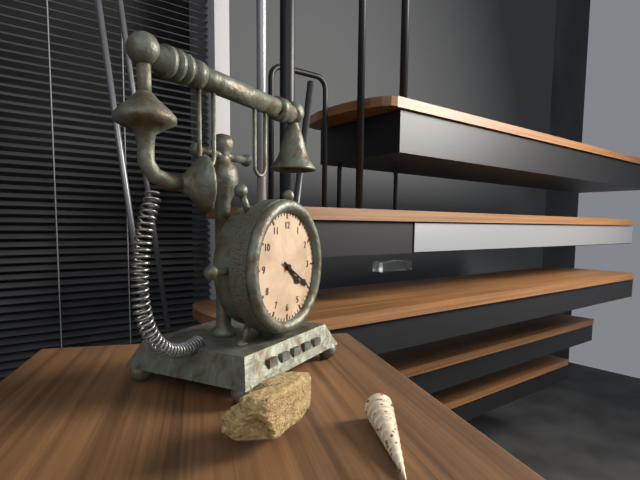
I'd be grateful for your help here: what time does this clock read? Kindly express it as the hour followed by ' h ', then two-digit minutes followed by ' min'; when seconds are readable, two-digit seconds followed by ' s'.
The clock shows 4 h 20 min
